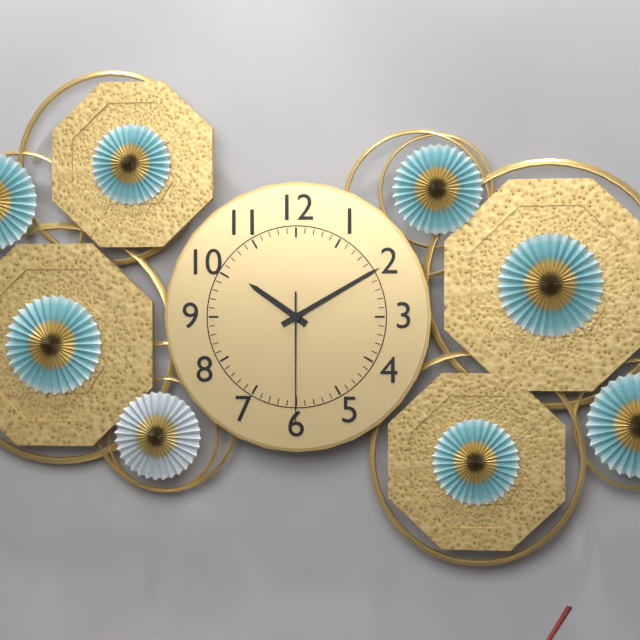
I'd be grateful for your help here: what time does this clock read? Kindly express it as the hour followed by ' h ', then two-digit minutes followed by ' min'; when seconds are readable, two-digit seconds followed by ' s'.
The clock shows 10 h 10 min 30 s
